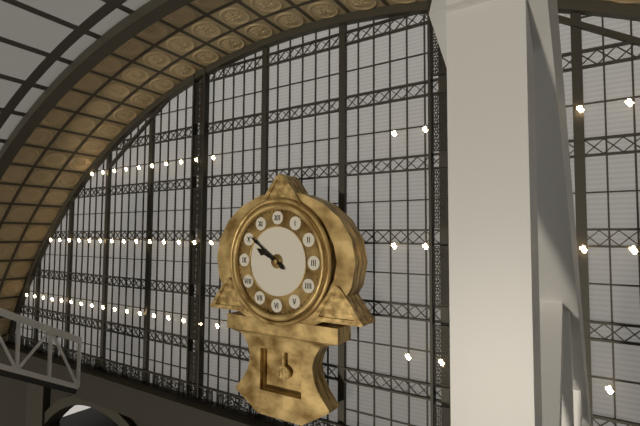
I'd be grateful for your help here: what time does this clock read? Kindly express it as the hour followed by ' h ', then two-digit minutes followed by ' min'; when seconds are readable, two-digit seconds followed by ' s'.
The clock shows 9 h 51 min
